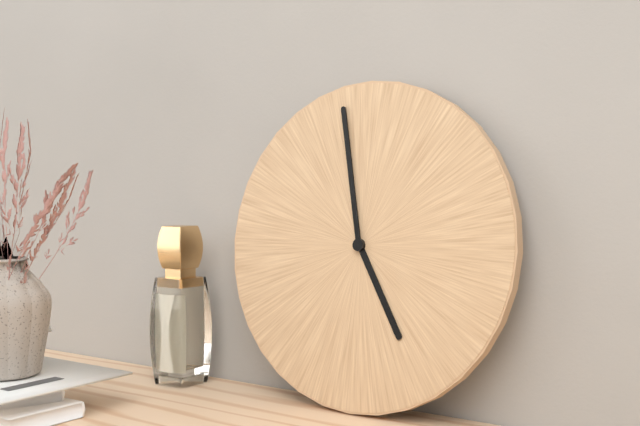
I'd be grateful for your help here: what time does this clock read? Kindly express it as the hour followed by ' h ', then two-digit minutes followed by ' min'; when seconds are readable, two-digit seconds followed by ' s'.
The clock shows 4 h 58 min
